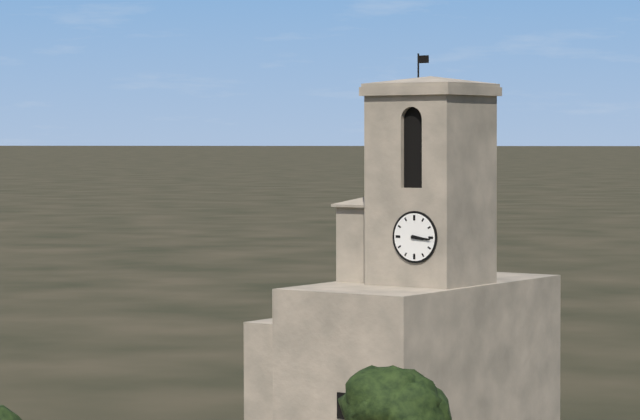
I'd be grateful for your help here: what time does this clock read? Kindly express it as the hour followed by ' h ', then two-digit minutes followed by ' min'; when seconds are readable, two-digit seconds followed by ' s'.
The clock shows 3 h 16 min
